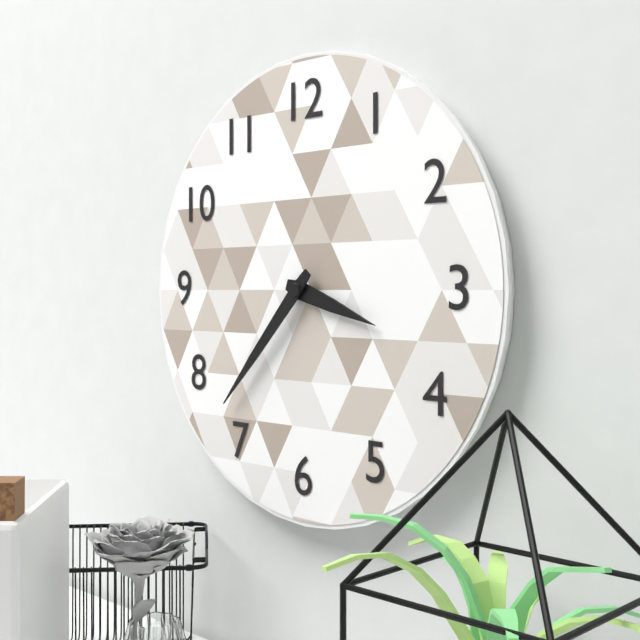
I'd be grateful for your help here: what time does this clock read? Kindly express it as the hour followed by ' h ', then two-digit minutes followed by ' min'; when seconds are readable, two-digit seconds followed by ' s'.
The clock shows 3 h 37 min
